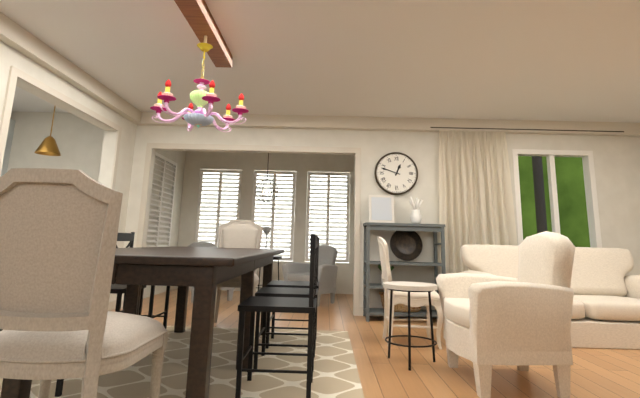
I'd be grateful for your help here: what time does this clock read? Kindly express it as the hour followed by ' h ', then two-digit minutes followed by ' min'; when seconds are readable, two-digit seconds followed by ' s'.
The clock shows 12 h 48 min
